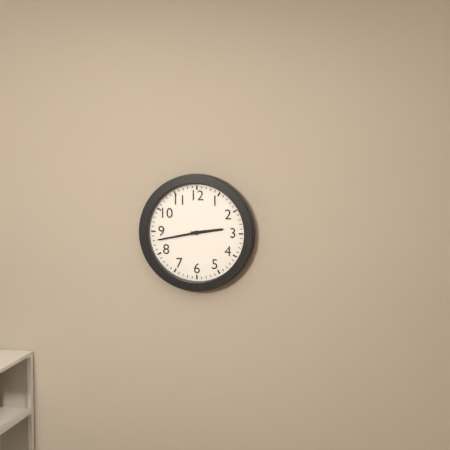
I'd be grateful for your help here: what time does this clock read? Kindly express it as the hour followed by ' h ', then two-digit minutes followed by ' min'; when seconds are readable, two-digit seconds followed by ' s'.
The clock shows 2 h 43 min
